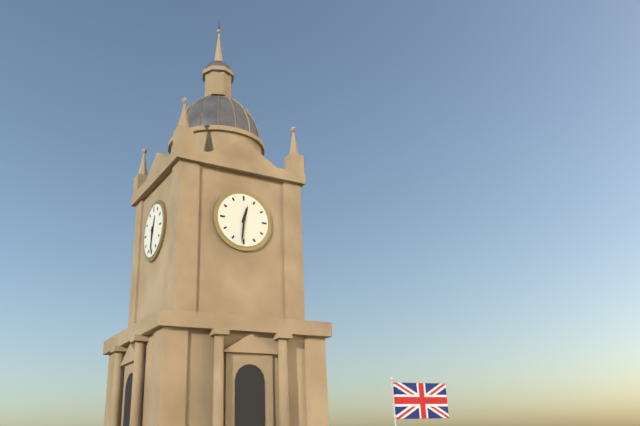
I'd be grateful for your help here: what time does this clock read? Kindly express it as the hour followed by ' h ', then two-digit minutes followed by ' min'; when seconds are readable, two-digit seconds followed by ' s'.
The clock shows 12 h 31 min
